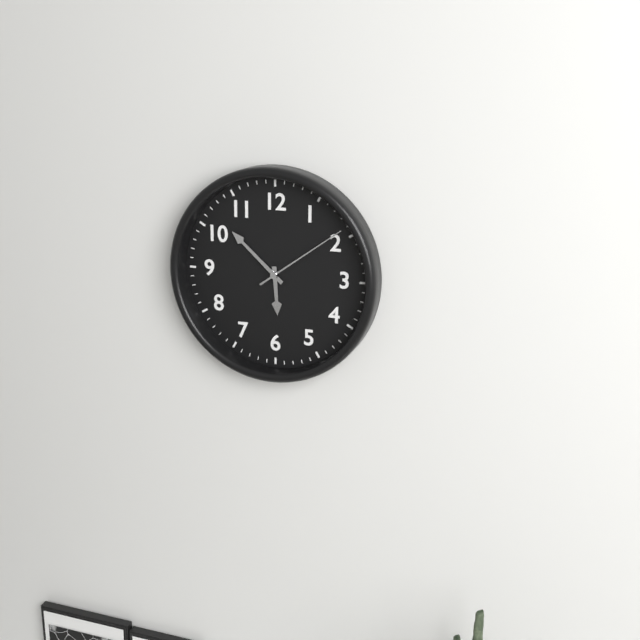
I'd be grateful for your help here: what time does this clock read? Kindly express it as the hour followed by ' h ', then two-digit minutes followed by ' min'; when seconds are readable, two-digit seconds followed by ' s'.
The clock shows 5 h 52 min 09 s
